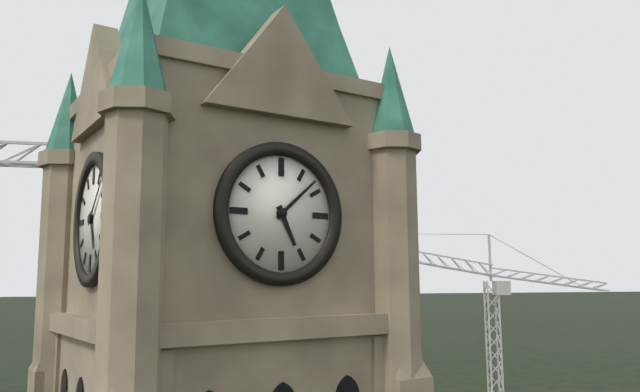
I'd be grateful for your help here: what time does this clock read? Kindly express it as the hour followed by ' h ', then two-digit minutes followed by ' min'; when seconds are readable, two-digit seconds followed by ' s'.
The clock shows 5 h 08 min
